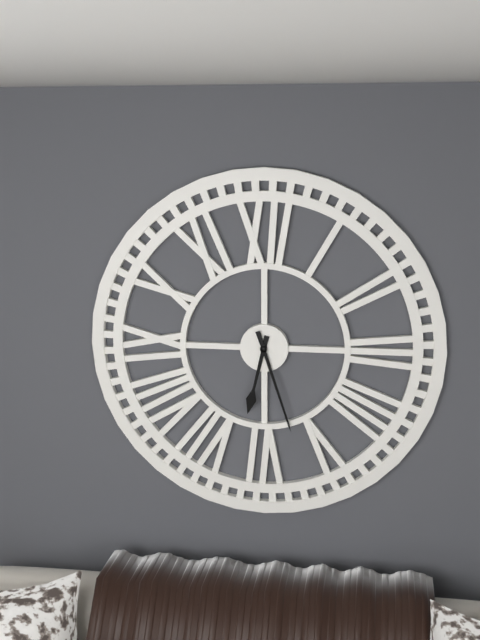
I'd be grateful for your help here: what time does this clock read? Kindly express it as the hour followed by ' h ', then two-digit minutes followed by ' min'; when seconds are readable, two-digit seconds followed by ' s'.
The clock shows 6 h 27 min
